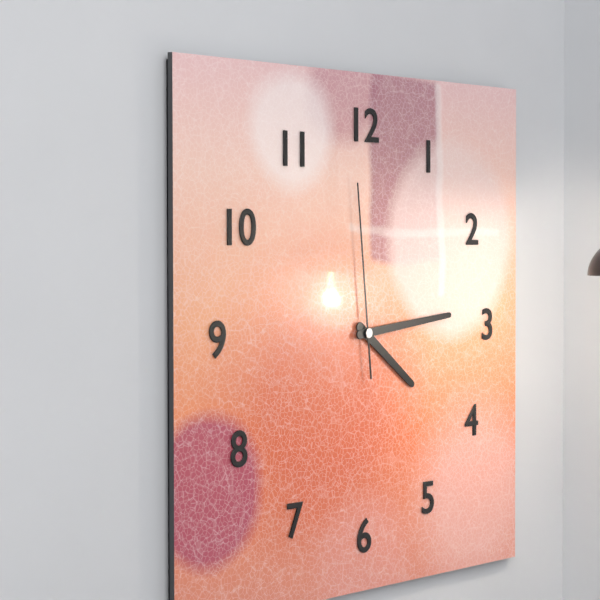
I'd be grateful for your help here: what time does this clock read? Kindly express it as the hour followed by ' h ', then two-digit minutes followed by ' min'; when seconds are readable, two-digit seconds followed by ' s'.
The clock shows 4 h 14 min 59 s
